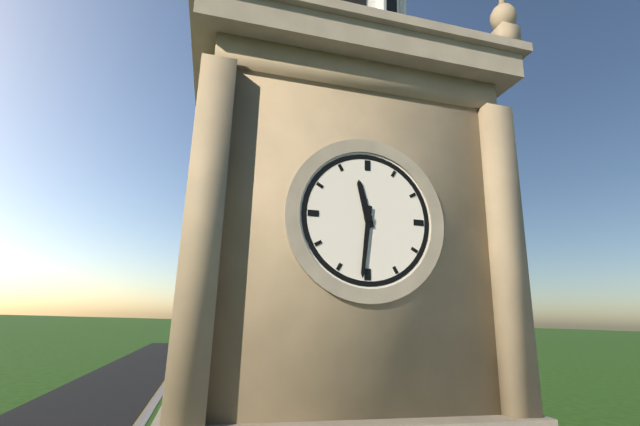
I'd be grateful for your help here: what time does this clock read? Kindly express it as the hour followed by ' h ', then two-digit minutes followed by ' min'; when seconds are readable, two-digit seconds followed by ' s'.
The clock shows 11 h 31 min
